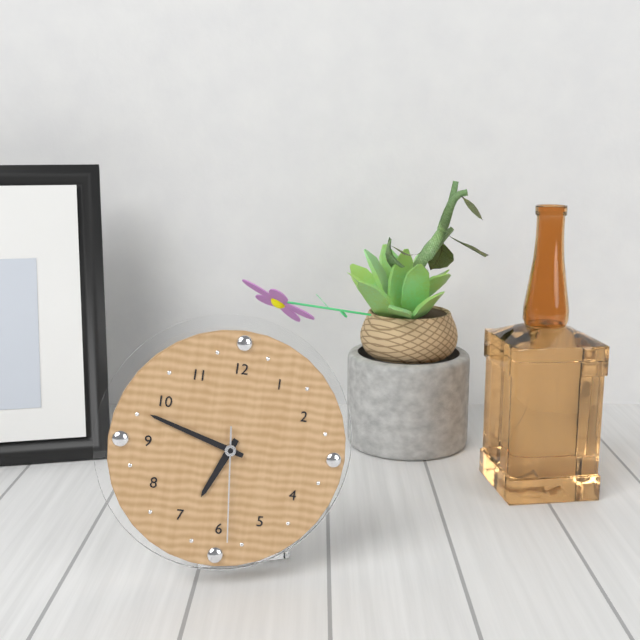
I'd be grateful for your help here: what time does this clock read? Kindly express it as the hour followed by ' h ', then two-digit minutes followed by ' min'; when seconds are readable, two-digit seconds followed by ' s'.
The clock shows 6 h 48 min 29 s
